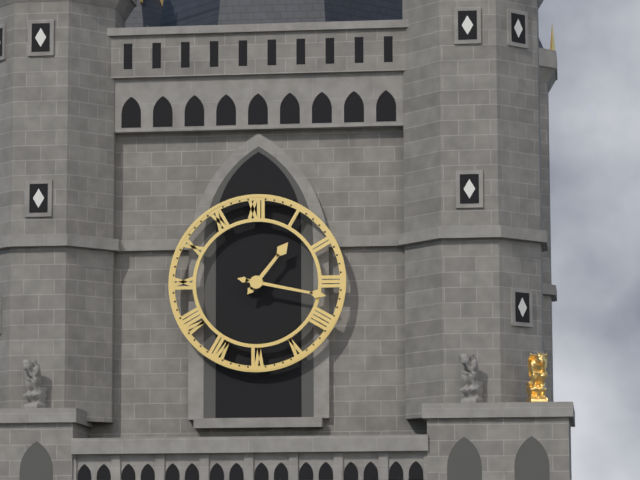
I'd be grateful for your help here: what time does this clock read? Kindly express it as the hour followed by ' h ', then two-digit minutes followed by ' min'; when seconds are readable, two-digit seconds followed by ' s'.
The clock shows 1 h 17 min
